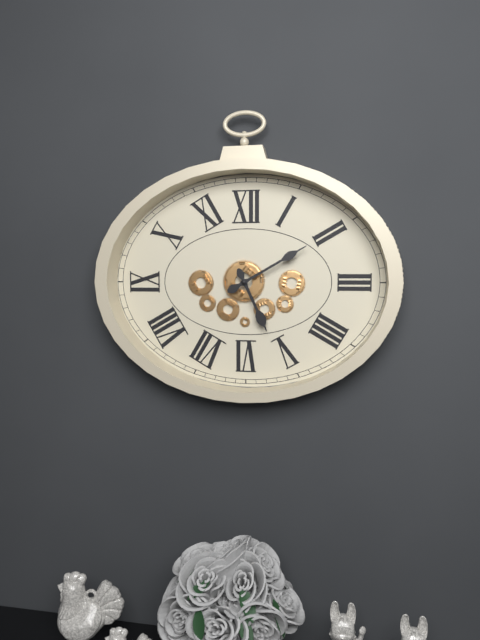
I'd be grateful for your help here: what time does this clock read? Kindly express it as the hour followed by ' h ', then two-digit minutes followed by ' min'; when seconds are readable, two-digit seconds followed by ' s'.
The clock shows 5 h 10 min
